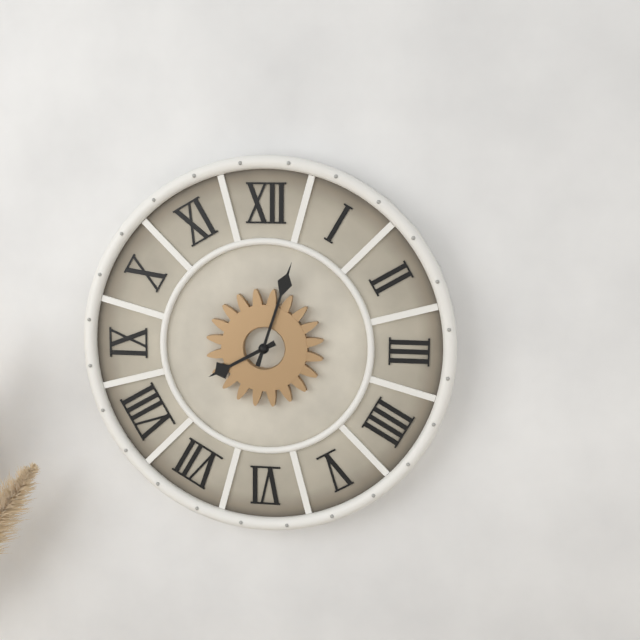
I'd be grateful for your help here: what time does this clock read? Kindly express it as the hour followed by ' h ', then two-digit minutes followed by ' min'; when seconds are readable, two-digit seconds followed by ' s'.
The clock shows 8 h 03 min
